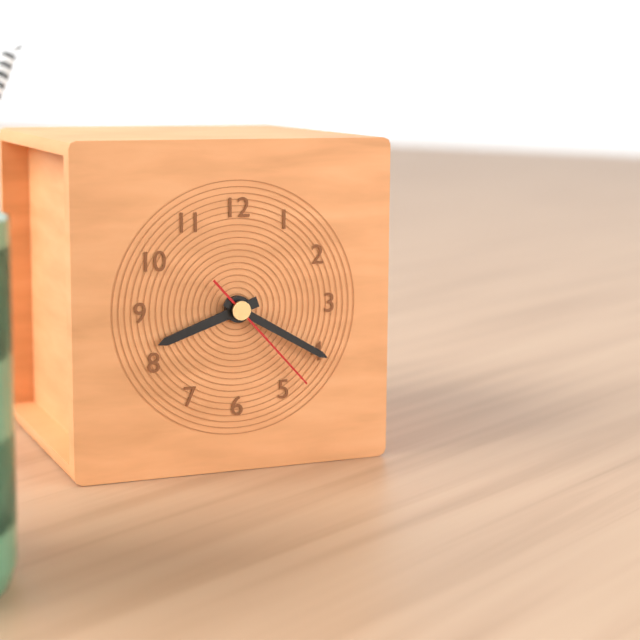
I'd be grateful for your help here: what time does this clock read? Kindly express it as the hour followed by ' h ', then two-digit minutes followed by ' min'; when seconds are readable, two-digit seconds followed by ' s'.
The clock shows 8 h 20 min 23 s
